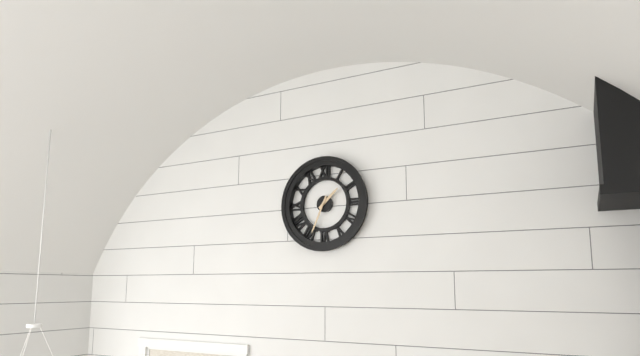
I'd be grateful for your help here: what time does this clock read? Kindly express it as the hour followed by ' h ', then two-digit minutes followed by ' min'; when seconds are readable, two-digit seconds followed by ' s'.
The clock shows 1 h 34 min
